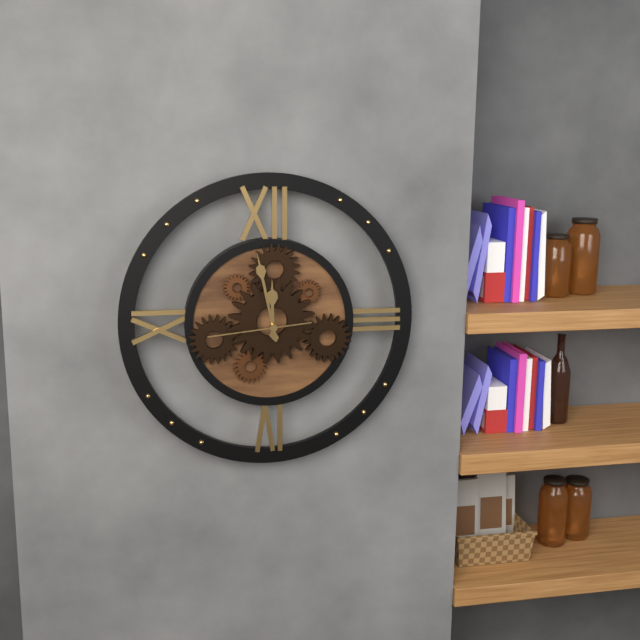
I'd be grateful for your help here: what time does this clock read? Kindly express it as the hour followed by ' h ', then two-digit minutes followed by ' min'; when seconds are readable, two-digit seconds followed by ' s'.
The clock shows 11 h 58 min 44 s
